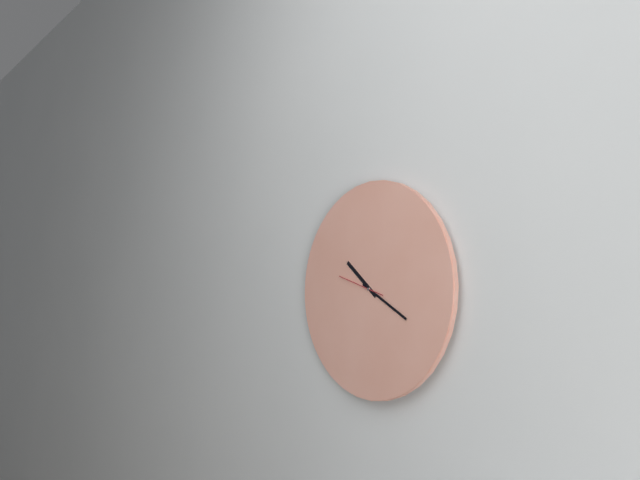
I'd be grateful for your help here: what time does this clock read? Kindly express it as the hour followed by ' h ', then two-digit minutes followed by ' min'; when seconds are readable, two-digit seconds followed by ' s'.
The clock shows 10 h 20 min
